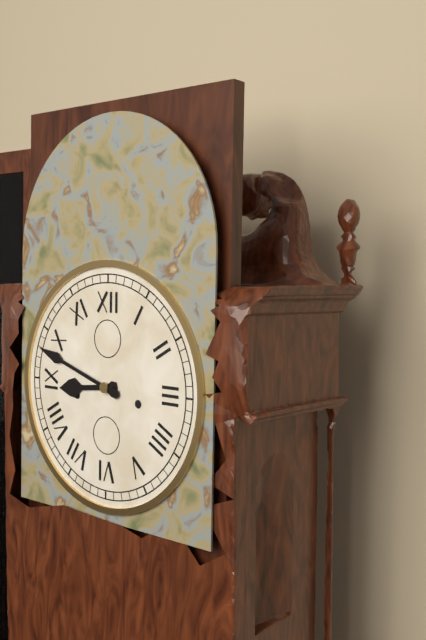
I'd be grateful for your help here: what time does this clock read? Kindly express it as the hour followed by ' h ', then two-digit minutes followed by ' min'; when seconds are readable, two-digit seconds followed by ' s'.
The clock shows 8 h 48 min
